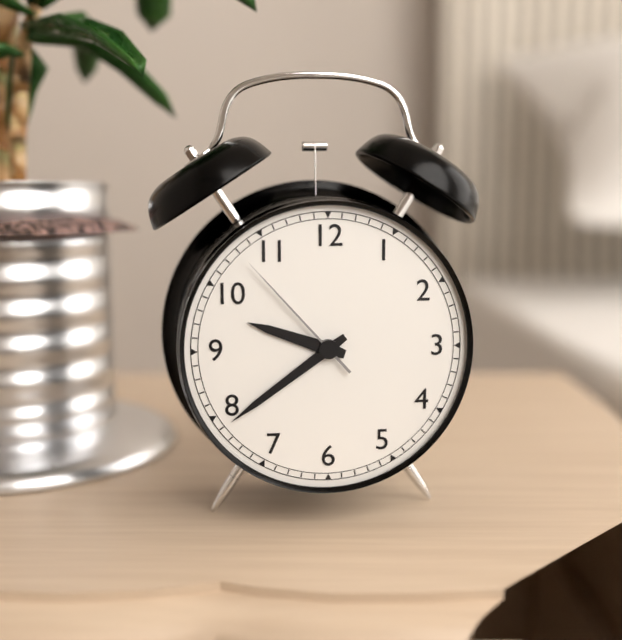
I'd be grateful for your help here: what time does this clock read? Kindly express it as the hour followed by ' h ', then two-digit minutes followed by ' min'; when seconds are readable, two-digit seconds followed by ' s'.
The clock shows 9 h 39 min 53 s
